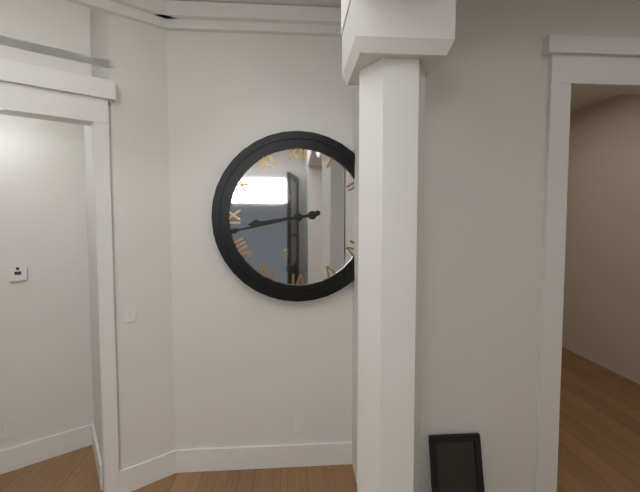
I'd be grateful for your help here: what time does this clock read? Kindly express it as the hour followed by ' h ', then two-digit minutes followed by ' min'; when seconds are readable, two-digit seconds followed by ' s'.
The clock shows 8 h 43 min
